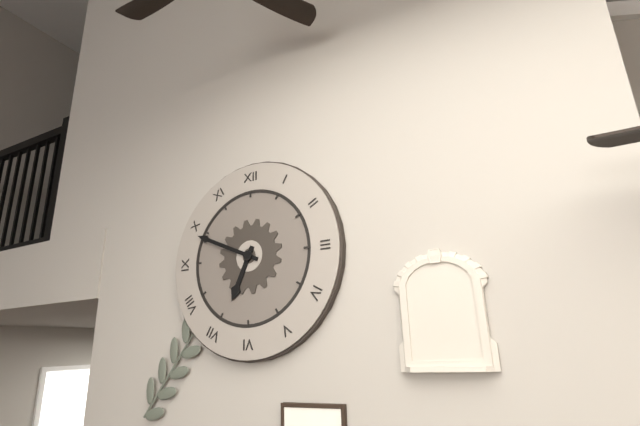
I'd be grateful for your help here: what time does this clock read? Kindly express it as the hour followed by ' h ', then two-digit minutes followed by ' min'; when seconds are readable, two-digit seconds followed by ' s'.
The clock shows 6 h 49 min
